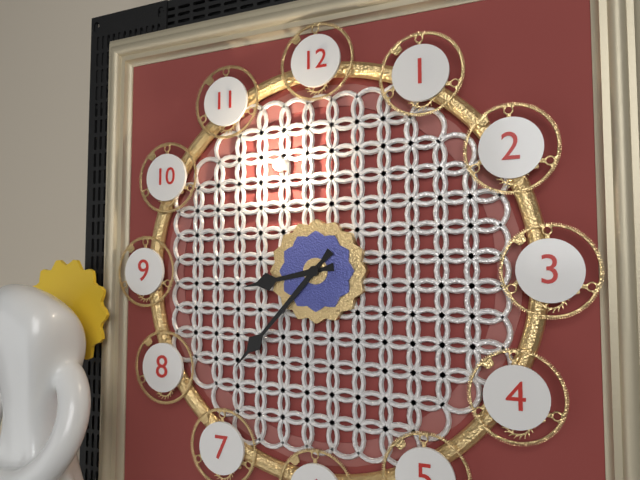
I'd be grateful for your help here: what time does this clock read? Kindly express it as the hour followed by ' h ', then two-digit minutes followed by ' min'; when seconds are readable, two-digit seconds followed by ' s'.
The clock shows 8 h 37 min
